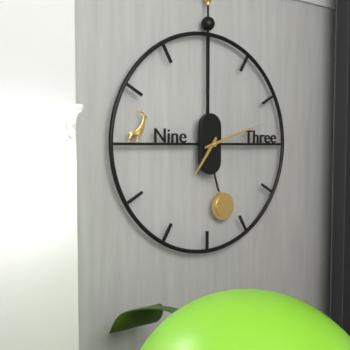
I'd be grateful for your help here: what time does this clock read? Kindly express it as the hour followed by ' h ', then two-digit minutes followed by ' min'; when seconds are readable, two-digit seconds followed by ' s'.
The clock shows 7 h 12 min
